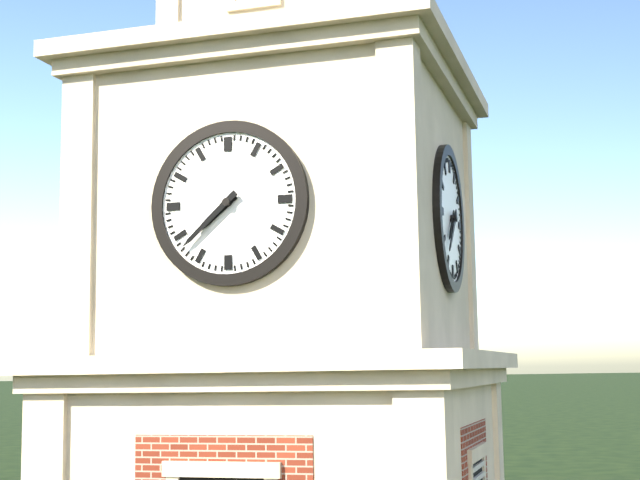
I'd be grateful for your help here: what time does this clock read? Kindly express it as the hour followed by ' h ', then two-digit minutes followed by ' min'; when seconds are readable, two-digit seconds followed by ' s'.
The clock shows 7 h 38 min
